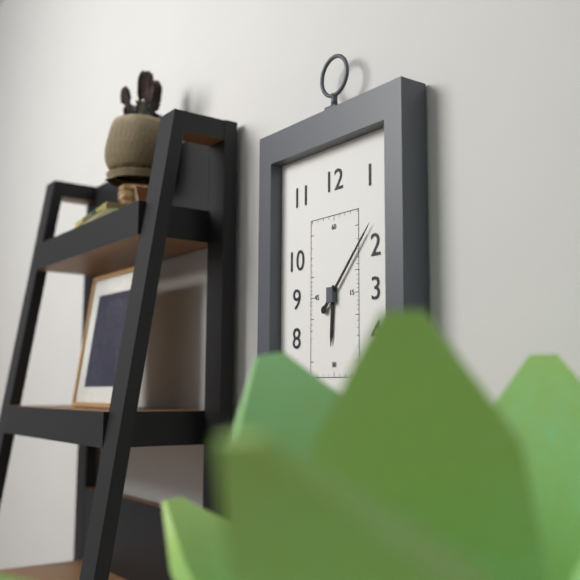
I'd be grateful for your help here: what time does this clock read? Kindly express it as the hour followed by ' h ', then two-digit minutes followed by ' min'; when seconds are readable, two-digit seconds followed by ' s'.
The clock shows 6 h 07 min
